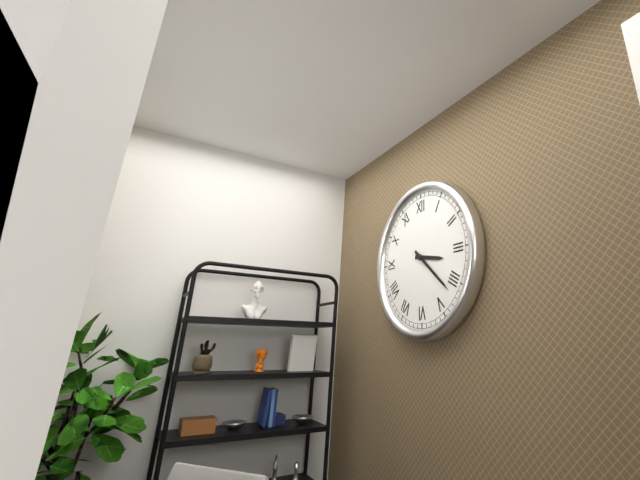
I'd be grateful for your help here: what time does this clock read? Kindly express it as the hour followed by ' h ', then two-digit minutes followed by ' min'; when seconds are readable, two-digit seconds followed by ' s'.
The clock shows 3 h 22 min
